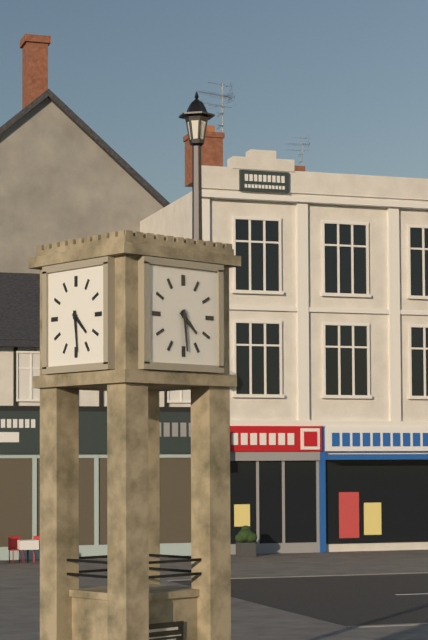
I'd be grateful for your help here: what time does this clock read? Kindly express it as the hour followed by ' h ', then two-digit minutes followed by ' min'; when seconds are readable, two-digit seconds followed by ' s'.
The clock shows 4 h 29 min
